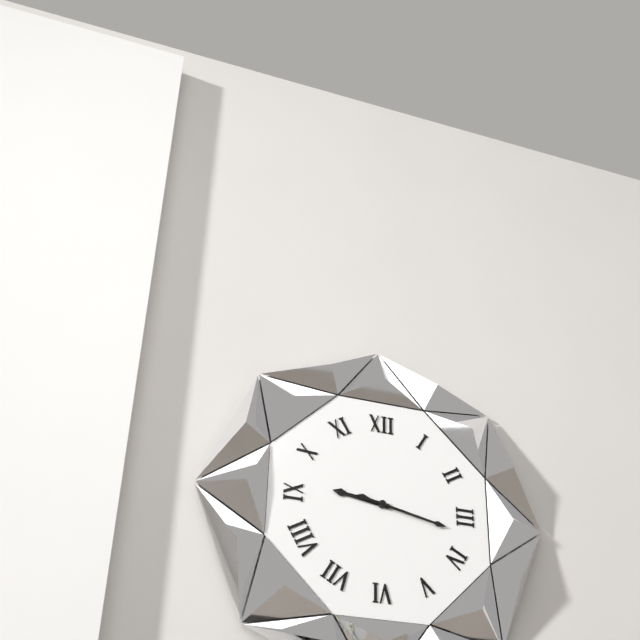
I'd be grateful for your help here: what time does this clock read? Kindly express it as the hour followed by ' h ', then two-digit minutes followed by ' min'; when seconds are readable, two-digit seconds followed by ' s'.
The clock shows 9 h 17 min
